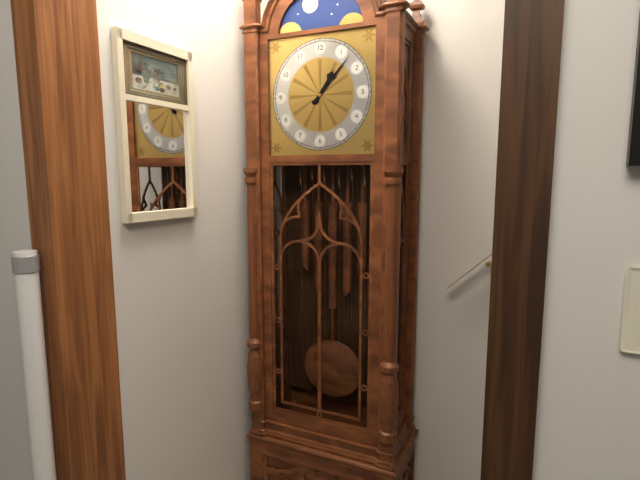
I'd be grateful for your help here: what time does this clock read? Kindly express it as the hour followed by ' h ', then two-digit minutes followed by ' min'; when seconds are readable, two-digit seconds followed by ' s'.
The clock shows 1 h 07 min
